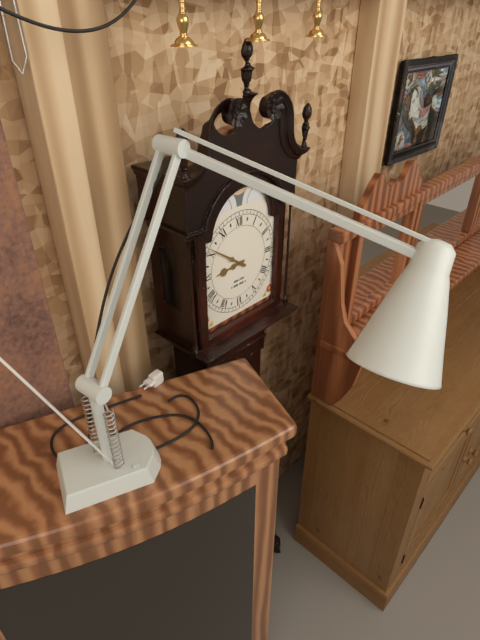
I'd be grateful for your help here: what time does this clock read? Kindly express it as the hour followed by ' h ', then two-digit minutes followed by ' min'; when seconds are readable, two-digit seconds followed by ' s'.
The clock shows 8 h 51 min
